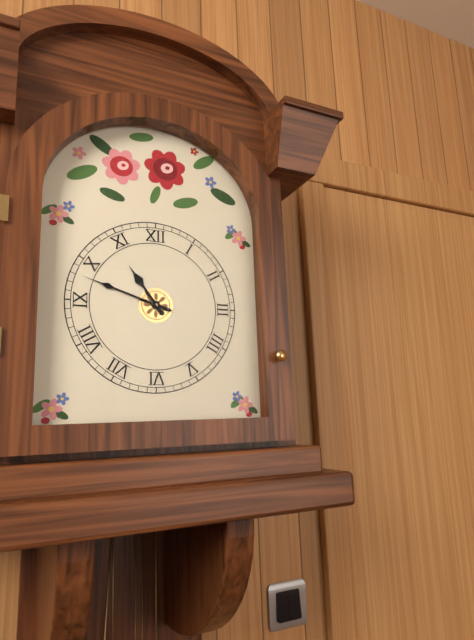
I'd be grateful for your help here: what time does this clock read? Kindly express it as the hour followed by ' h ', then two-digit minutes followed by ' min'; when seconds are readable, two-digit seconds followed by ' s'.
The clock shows 10 h 48 min
